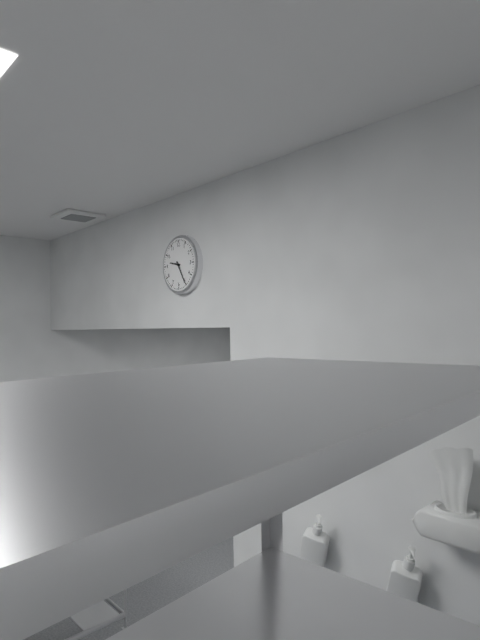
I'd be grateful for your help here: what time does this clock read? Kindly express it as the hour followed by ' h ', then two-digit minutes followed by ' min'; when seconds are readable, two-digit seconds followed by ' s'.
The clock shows 9 h 25 min
